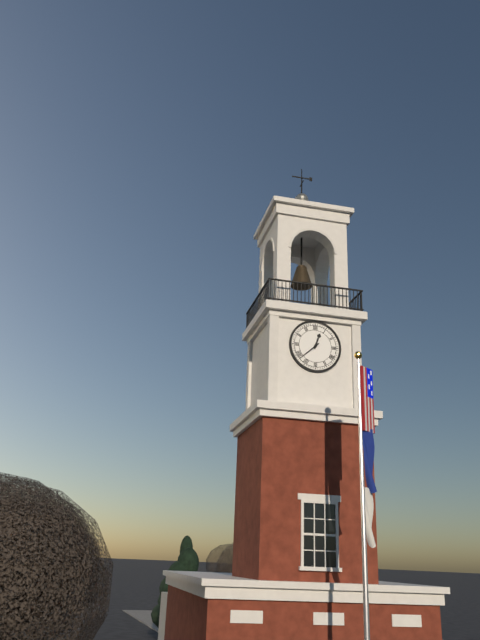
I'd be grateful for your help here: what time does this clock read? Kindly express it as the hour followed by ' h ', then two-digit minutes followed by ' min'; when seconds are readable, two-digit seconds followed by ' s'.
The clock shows 12 h 38 min
